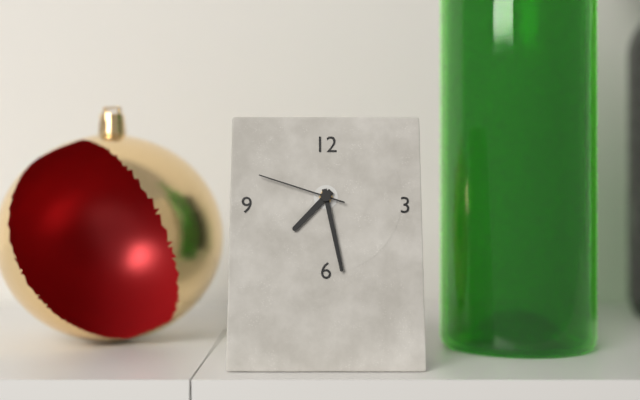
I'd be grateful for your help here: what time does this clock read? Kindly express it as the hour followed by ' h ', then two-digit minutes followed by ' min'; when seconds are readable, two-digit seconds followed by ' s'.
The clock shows 7 h 28 min 48 s
